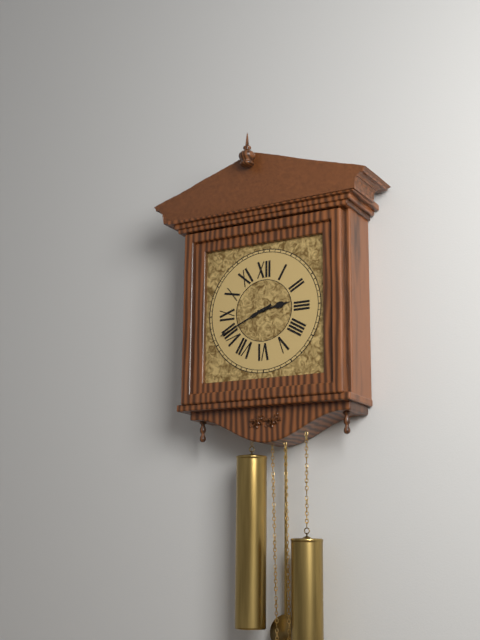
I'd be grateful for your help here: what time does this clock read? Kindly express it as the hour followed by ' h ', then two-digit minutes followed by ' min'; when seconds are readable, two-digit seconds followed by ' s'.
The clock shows 2 h 41 min
